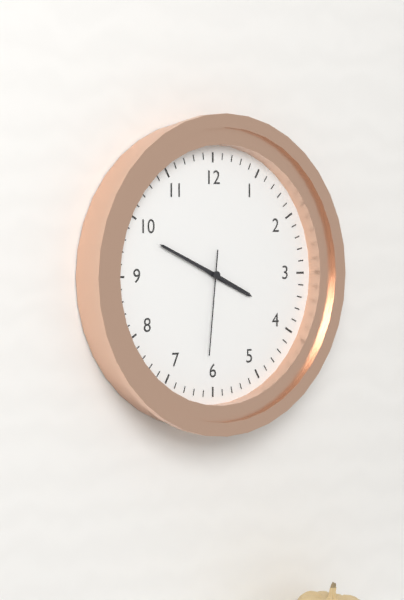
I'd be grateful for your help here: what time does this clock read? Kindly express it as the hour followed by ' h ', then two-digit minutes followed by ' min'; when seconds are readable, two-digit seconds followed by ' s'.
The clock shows 3 h 49 min 31 s
